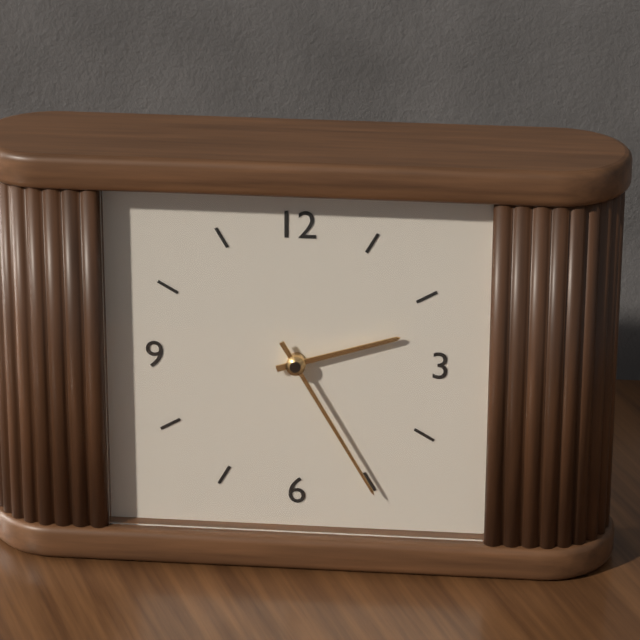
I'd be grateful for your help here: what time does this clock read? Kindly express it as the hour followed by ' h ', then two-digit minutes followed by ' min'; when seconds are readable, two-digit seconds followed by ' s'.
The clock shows 2 h 25 min
